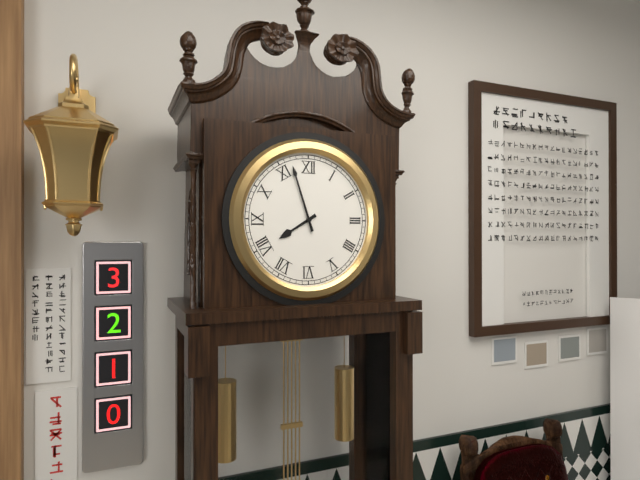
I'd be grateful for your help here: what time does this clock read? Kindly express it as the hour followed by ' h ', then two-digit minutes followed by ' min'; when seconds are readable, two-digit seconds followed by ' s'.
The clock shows 7 h 57 min
